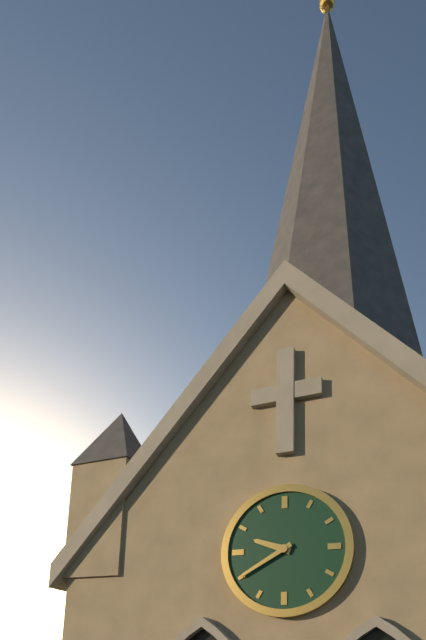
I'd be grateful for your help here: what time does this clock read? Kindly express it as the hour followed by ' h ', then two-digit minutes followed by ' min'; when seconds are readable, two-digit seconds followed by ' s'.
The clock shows 9 h 40 min
